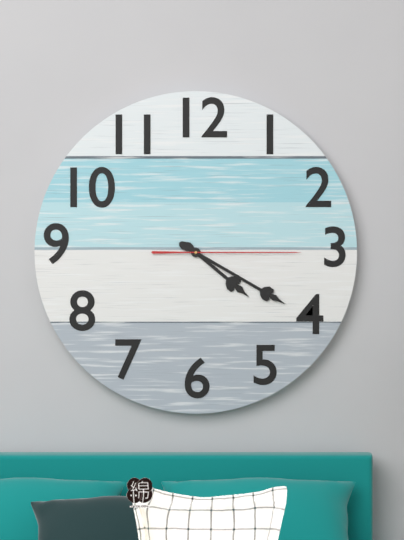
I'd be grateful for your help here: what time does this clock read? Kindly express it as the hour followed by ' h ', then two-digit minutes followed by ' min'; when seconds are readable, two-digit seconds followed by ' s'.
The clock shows 4 h 20 min 15 s
